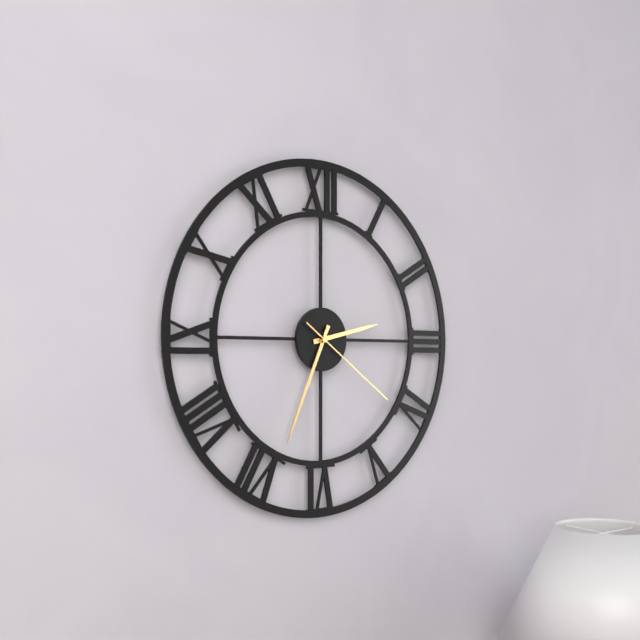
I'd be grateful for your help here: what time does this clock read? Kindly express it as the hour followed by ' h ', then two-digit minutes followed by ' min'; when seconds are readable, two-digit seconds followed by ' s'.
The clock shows 2 h 34 min 21 s
